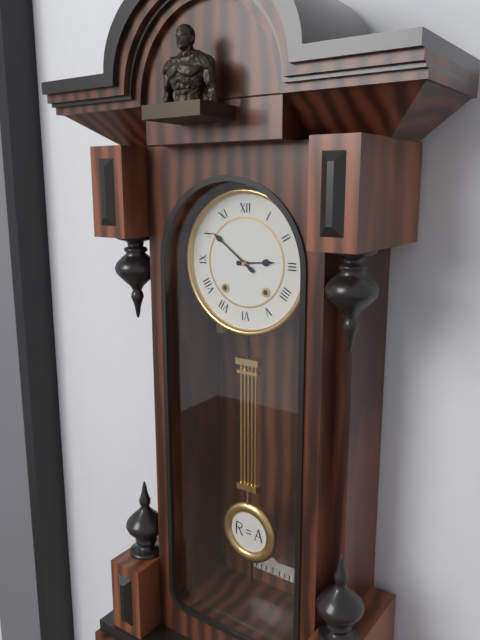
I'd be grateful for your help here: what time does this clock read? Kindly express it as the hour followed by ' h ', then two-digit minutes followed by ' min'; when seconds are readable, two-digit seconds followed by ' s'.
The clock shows 2 h 51 min
